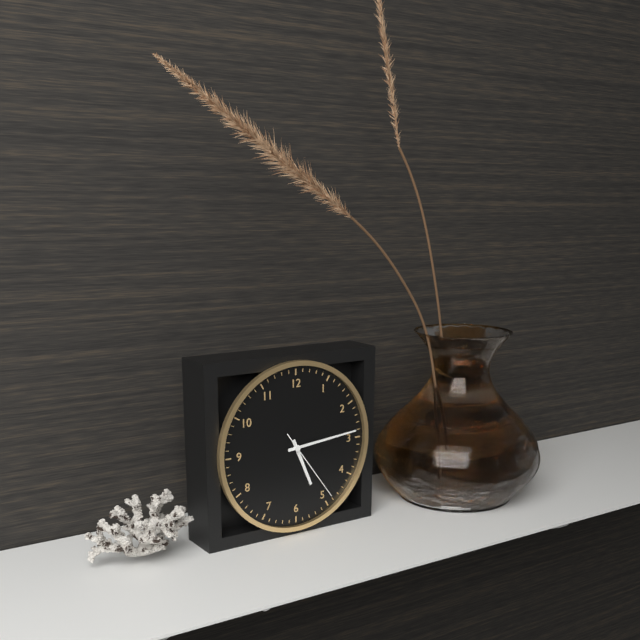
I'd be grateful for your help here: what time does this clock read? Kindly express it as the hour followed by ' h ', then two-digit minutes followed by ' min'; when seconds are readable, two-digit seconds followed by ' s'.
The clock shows 5 h 14 min 24 s
